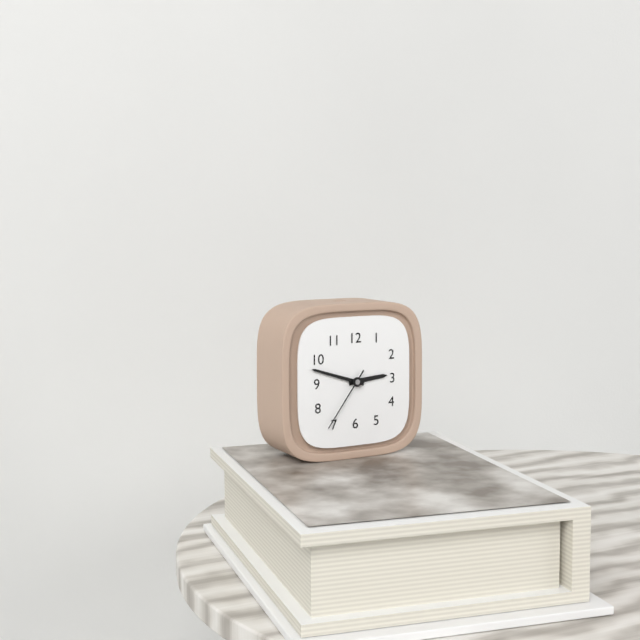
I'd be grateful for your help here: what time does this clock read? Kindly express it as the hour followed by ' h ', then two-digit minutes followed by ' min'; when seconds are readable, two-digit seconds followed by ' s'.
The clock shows 2 h 48 min 36 s
